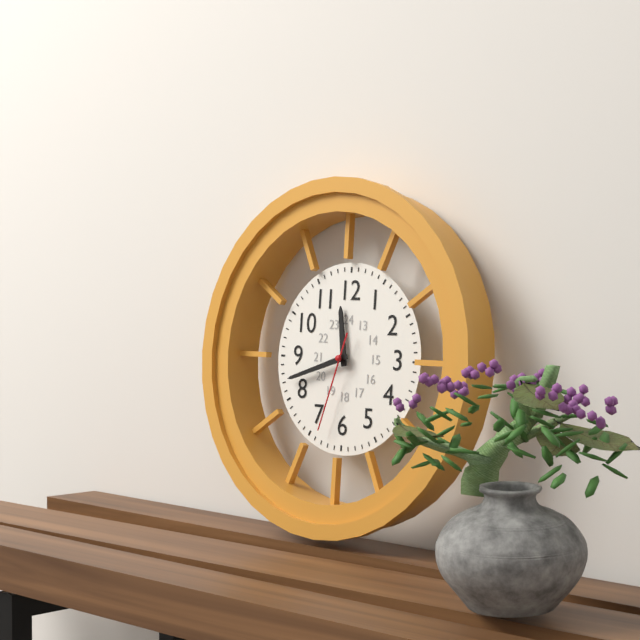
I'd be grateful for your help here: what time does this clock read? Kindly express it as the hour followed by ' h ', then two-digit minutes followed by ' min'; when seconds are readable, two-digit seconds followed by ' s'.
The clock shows 11 h 42 min 33 s
